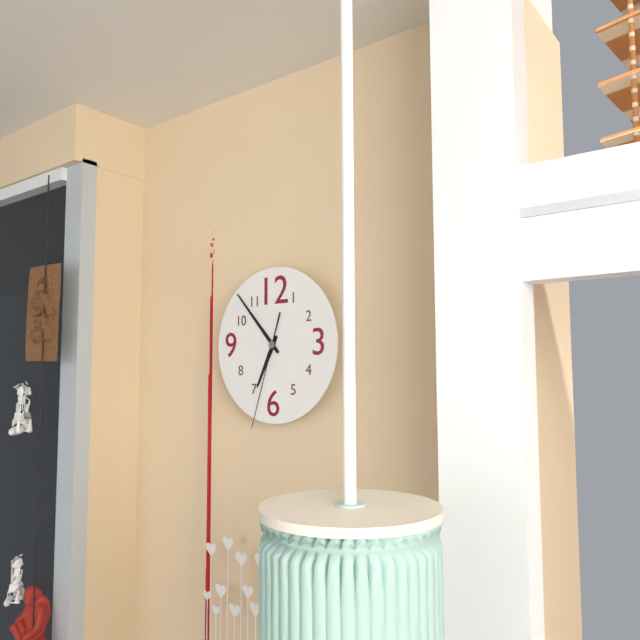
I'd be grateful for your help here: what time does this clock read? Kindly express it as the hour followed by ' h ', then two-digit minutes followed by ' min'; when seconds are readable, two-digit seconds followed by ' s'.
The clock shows 6 h 53 min 33 s
